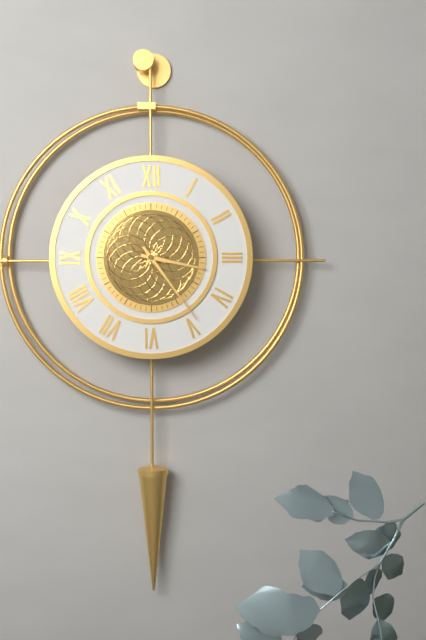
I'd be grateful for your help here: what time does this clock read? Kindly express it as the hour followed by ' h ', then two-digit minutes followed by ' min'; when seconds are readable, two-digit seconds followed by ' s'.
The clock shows 3 h 24 min
